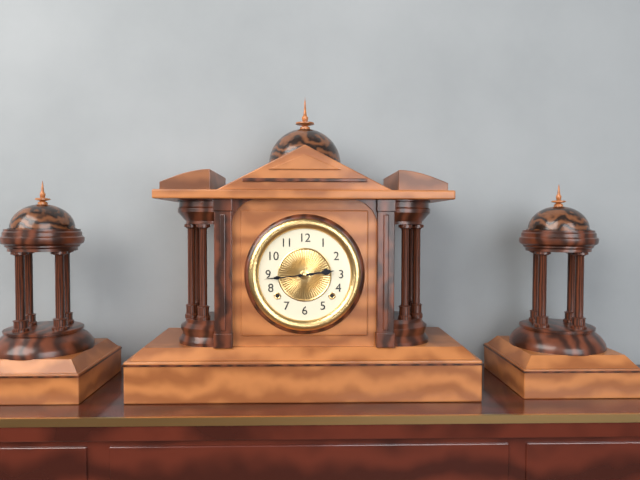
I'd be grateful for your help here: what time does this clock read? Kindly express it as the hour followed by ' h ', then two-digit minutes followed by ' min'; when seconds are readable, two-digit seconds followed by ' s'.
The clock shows 2 h 44 min
